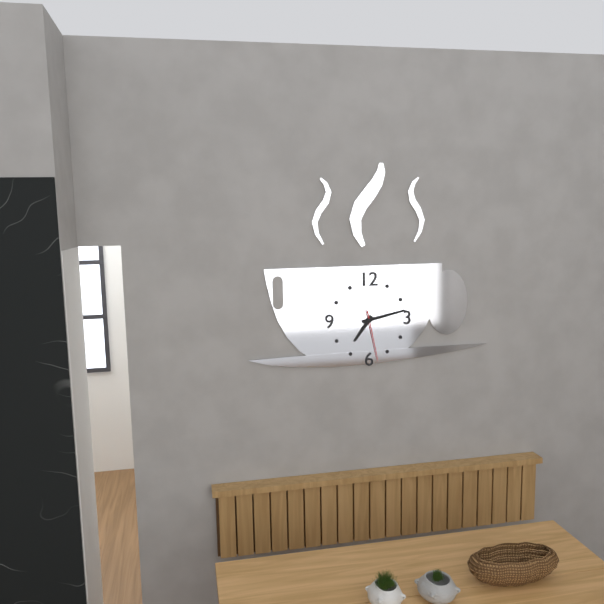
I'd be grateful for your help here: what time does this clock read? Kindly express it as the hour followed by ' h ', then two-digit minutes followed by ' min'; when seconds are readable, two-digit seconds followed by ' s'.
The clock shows 7 h 13 min 28 s
